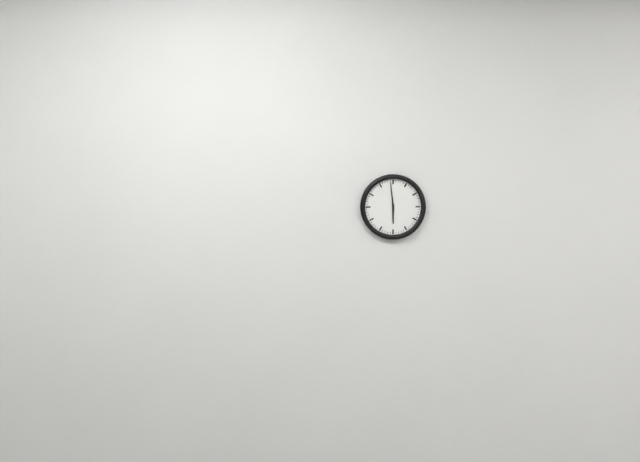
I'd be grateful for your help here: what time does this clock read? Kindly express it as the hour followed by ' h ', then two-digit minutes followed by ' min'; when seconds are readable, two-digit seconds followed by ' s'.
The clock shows 5 h 59 min
